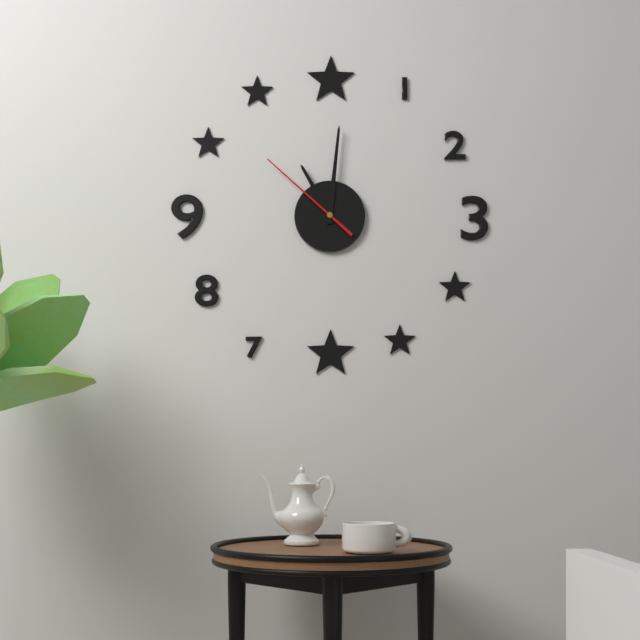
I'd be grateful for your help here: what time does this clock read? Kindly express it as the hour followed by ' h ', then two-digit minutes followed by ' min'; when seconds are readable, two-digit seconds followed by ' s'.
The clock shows 11 h 01 min 52 s
